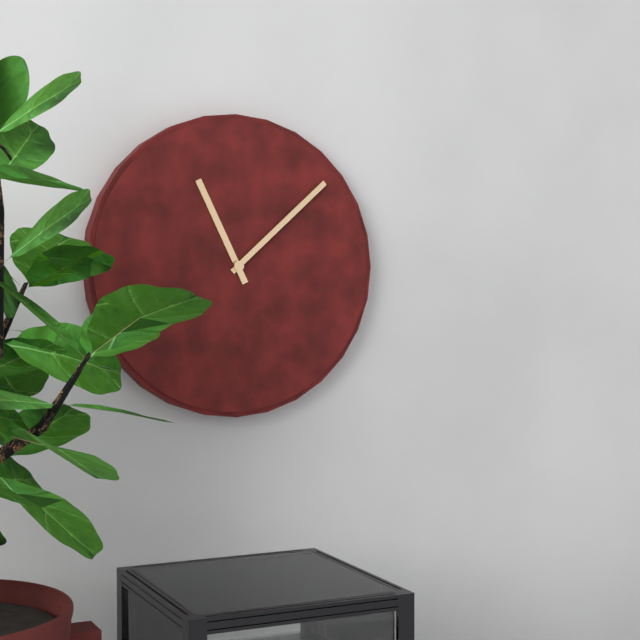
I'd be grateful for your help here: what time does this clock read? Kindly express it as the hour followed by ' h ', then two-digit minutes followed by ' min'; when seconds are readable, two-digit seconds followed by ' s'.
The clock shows 11 h 08 min
